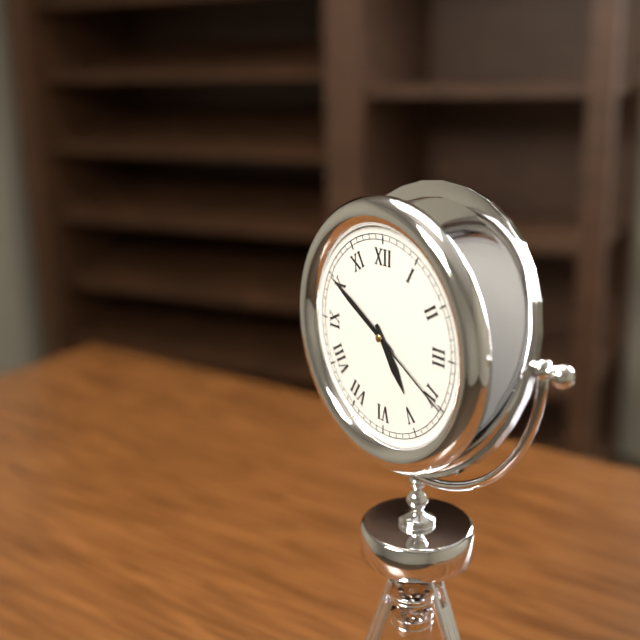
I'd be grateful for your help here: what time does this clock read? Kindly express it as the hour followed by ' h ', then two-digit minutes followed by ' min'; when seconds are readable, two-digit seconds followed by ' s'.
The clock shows 4 h 50 min 20 s
